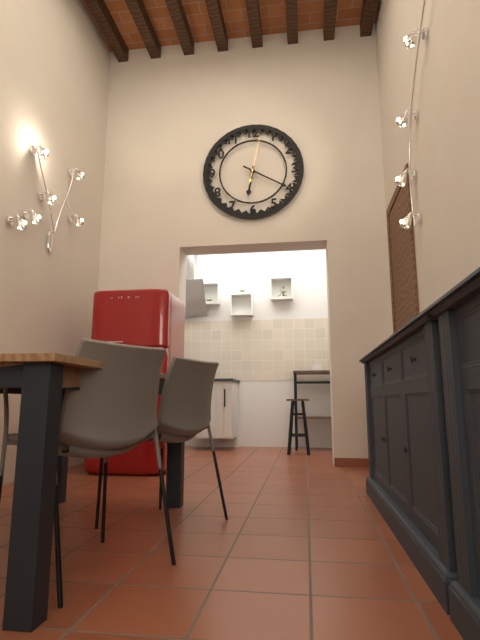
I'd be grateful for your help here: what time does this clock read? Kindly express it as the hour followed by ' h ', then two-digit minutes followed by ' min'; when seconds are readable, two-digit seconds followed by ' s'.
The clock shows 6 h 20 min
